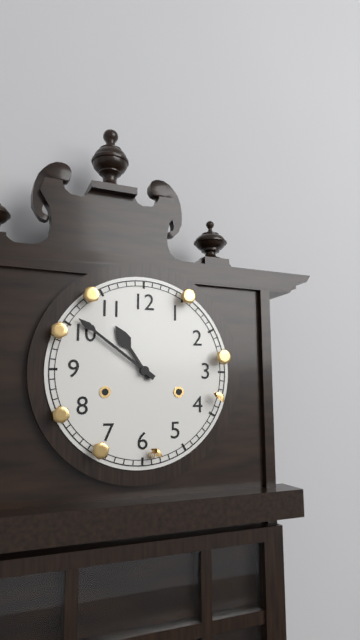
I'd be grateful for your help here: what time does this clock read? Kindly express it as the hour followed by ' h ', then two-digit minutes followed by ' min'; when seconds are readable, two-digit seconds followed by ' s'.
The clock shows 10 h 51 min
